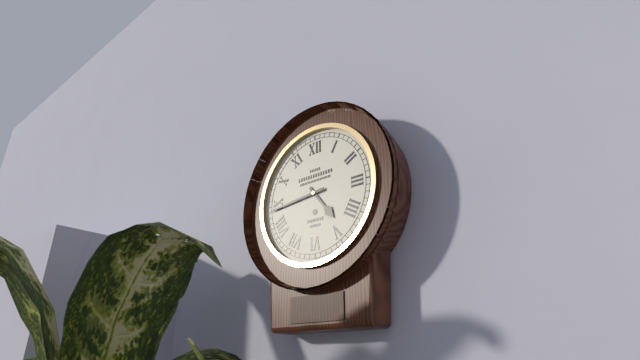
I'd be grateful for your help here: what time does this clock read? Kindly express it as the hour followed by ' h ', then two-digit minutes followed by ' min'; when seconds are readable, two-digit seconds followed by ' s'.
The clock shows 4 h 44 min
